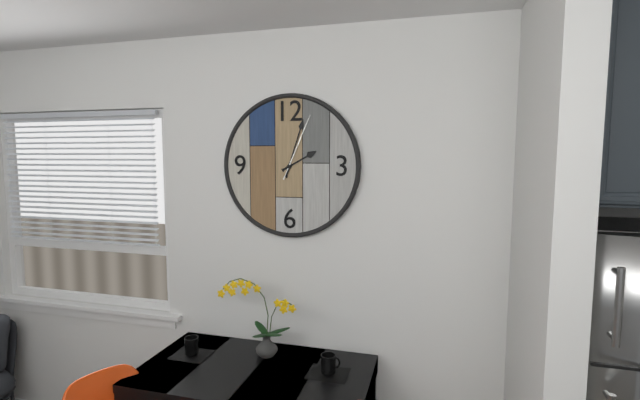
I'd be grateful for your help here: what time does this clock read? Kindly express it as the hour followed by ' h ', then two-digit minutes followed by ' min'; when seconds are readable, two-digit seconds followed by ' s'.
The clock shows 2 h 03 min 04 s
